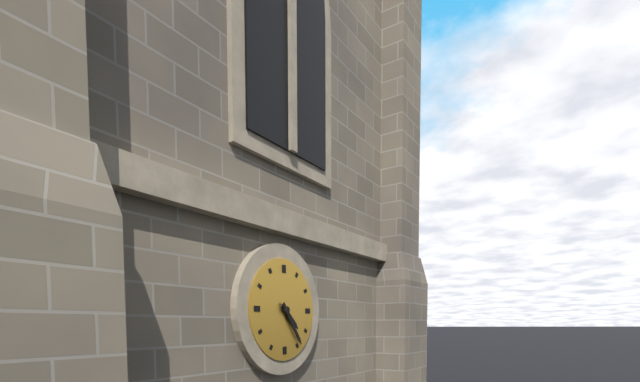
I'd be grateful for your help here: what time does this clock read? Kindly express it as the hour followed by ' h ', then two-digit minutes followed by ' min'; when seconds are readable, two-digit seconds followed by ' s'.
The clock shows 4 h 24 min
